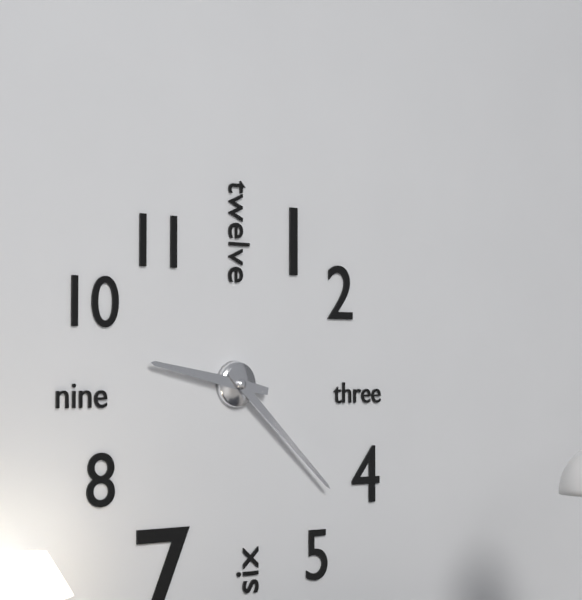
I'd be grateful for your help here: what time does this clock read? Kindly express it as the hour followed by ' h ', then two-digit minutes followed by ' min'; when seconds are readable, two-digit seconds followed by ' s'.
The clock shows 9 h 22 min
